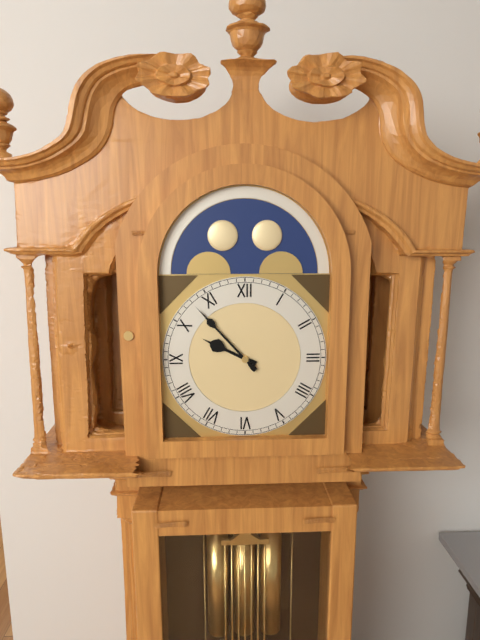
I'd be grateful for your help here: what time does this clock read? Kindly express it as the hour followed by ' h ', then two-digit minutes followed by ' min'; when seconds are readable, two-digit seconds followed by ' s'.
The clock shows 9 h 53 min
